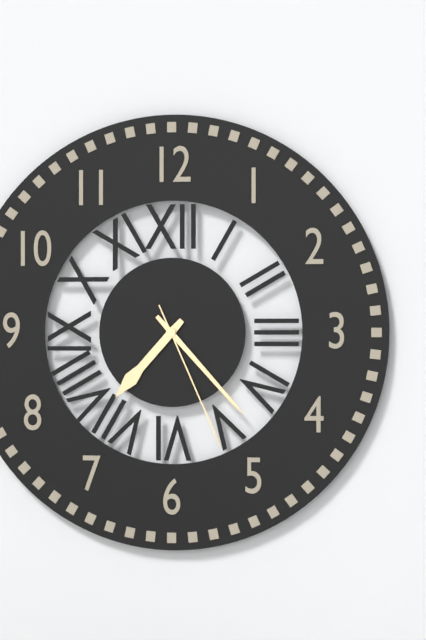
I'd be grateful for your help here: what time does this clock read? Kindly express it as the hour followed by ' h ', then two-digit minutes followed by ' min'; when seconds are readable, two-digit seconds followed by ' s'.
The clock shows 7 h 23 min 26 s
